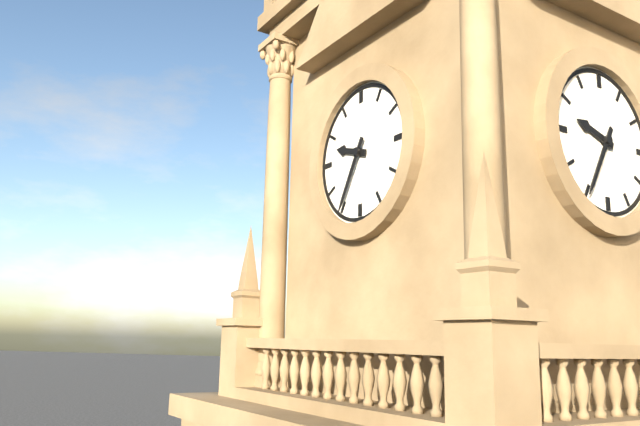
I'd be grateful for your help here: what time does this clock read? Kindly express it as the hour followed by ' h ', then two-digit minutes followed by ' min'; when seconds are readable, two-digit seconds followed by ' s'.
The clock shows 9 h 35 min
